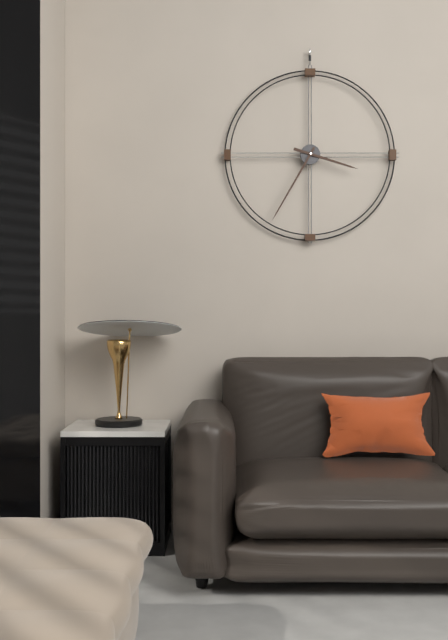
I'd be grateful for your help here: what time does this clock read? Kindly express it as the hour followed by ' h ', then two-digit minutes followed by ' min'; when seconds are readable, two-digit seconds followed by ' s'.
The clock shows 3 h 35 min
